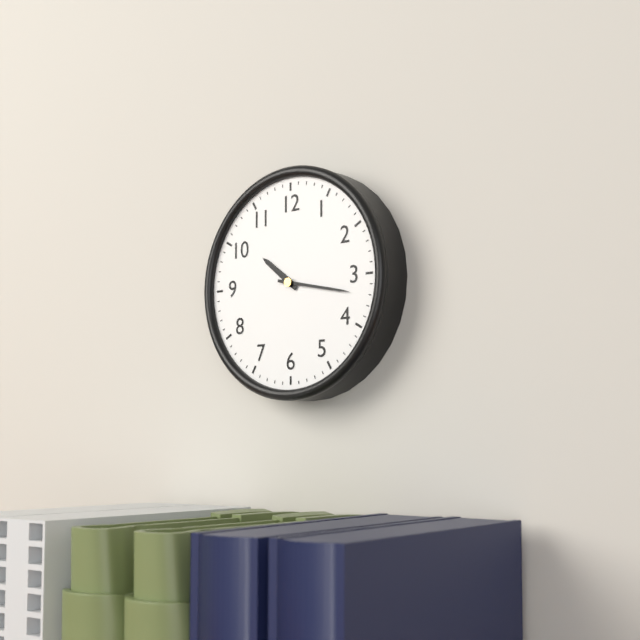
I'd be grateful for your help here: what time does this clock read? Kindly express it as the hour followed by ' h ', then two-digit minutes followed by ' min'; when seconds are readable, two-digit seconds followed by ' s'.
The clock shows 10 h 17 min
